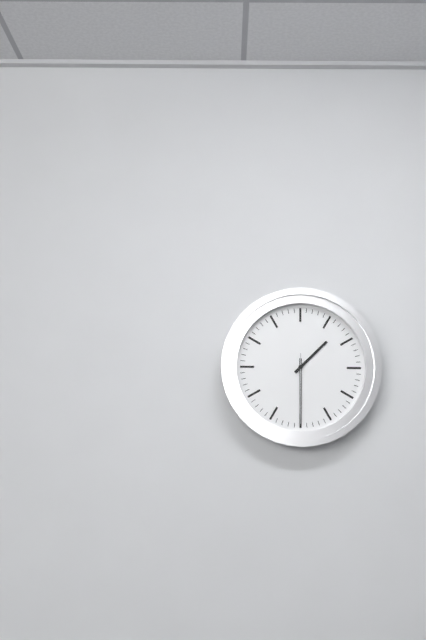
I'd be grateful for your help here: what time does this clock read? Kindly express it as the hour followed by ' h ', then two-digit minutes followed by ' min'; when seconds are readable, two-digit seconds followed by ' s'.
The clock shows 1 h 30 min 30 s
